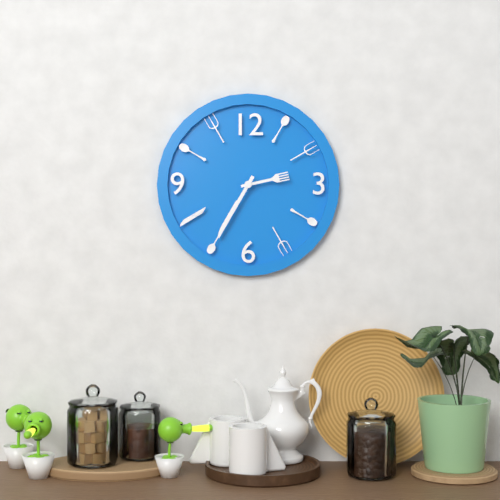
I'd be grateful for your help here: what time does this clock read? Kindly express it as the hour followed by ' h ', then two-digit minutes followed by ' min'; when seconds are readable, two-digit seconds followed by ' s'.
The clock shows 2 h 35 min
